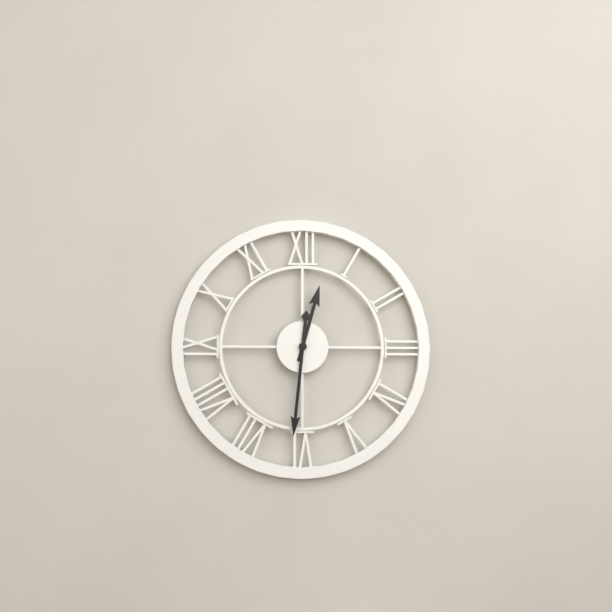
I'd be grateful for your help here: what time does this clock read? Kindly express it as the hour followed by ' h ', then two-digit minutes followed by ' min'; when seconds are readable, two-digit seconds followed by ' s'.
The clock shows 12 h 31 min
